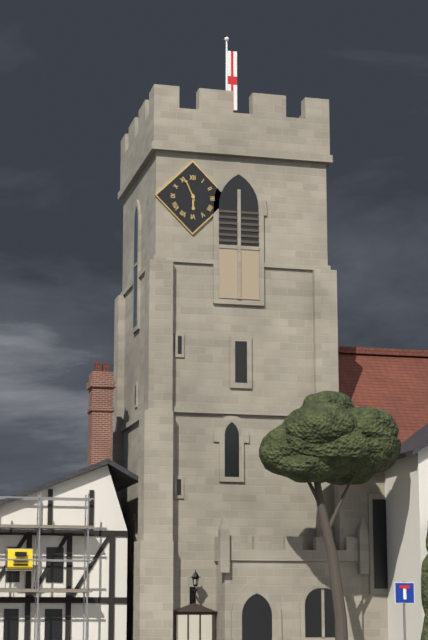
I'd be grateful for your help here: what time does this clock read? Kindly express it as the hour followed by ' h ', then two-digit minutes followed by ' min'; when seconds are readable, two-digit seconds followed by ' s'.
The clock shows 5 h 56 min
